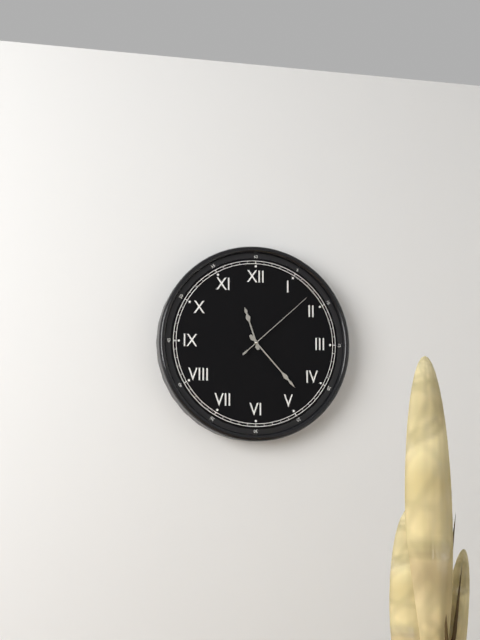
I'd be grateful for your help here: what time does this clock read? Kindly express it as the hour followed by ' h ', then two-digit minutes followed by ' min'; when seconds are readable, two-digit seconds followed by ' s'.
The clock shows 11 h 23 min 08 s
